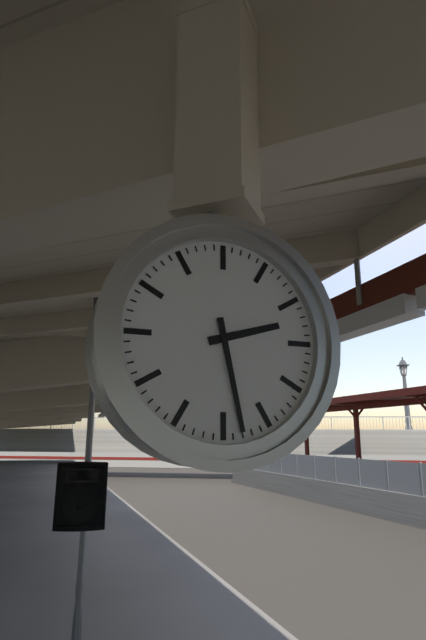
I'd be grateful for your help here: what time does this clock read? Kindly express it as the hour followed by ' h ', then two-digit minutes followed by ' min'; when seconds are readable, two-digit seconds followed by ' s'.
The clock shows 2 h 28 min
